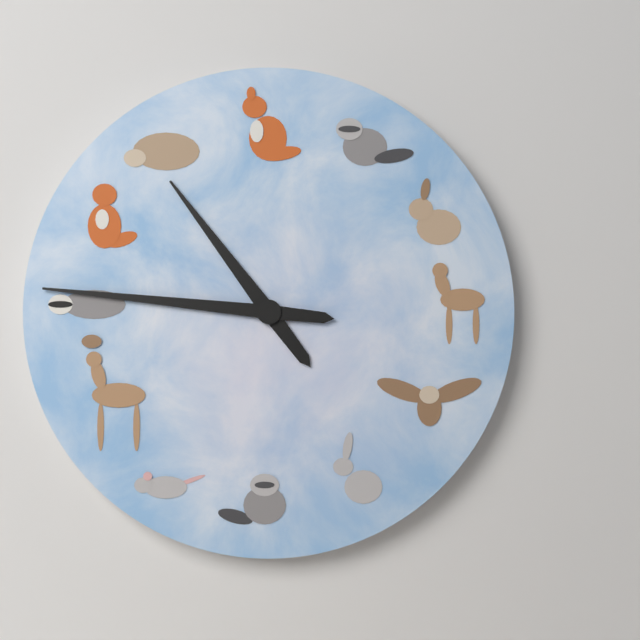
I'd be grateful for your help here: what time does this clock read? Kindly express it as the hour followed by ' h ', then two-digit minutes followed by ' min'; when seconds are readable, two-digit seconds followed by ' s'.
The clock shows 10 h 46 min
